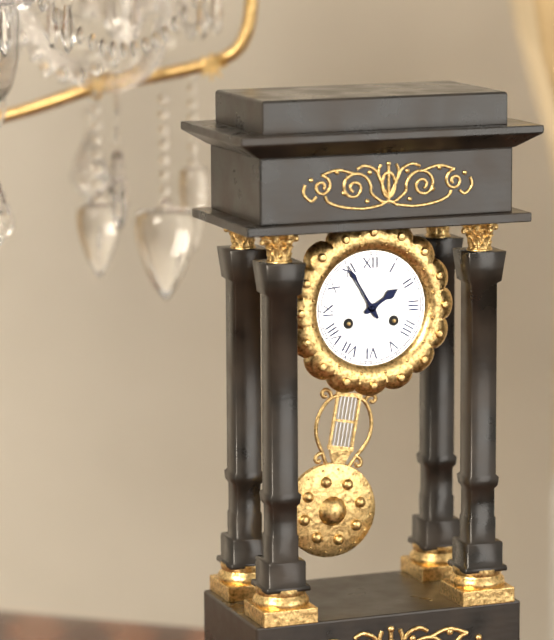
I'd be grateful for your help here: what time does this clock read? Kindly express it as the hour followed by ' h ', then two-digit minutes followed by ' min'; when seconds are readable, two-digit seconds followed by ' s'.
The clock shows 1 h 55 min
